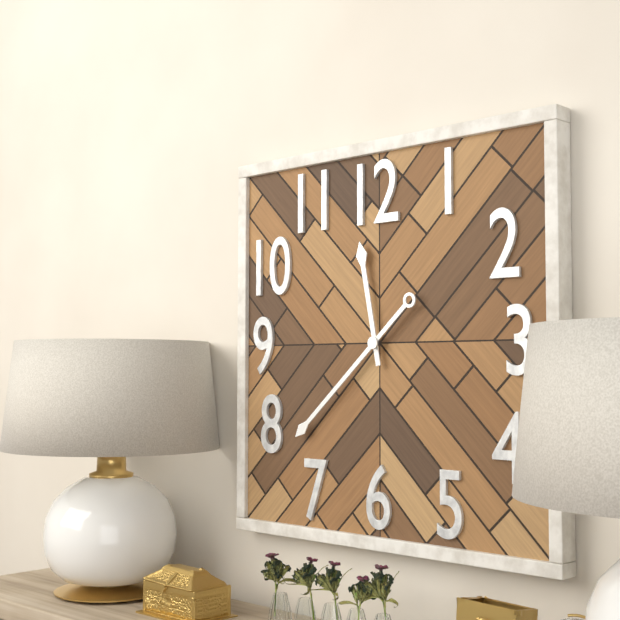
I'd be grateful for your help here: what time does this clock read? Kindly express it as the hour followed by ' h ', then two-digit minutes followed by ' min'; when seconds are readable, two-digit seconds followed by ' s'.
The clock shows 11 h 38 min
